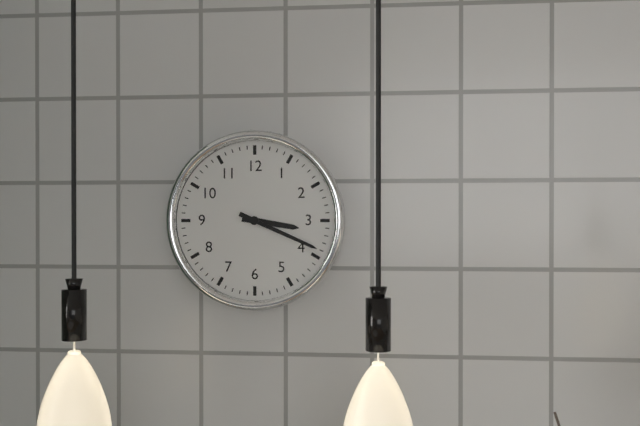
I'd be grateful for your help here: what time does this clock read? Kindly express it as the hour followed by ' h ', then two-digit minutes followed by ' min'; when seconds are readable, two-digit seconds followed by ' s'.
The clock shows 3 h 19 min
